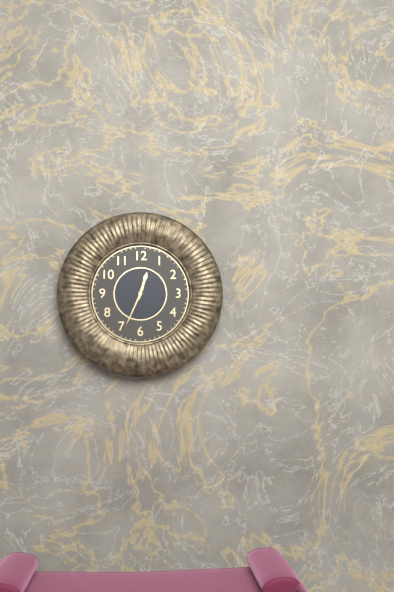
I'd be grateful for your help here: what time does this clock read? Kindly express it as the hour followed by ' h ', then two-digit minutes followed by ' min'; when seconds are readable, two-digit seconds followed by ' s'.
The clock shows 12 h 34 min
